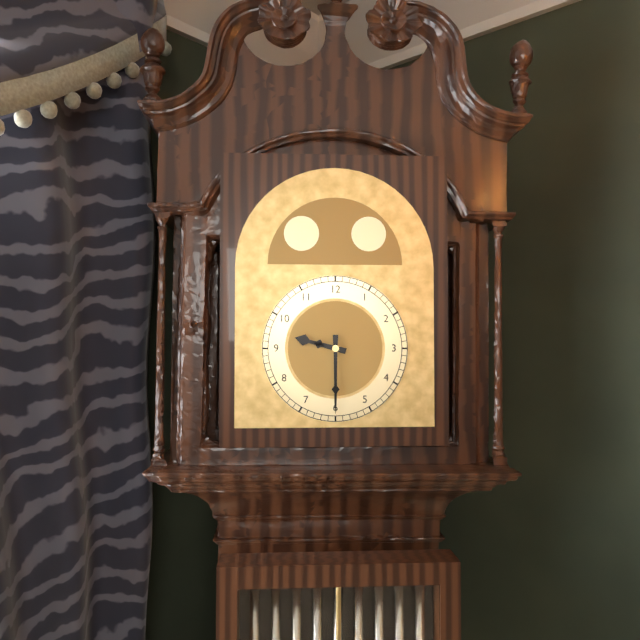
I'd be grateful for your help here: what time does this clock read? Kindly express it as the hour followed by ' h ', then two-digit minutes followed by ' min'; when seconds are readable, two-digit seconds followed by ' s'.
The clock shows 9 h 30 min
